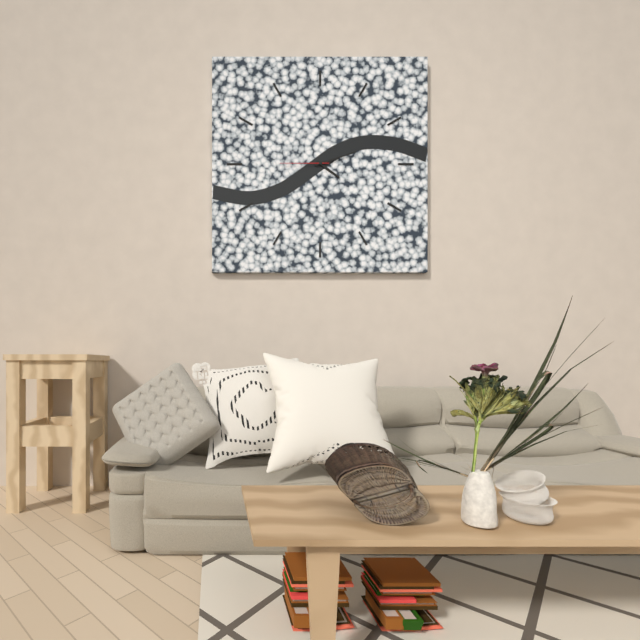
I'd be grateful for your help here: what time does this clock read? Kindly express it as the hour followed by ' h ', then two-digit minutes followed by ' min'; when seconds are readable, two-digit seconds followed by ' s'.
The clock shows 4 h 12 min
